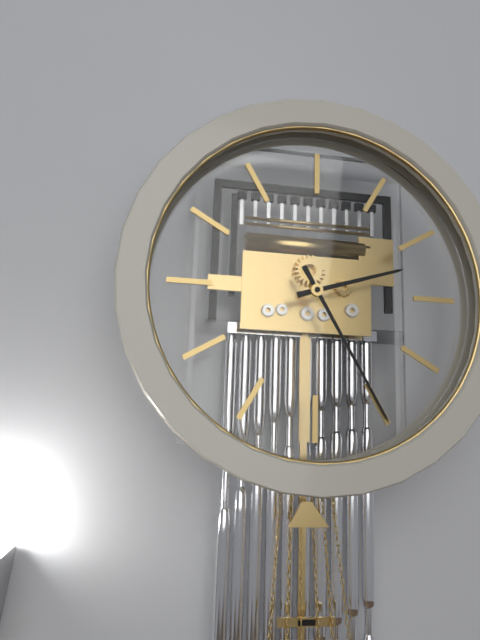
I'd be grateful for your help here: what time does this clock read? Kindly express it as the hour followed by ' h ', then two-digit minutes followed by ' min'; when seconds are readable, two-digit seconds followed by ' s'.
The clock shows 2 h 25 min
